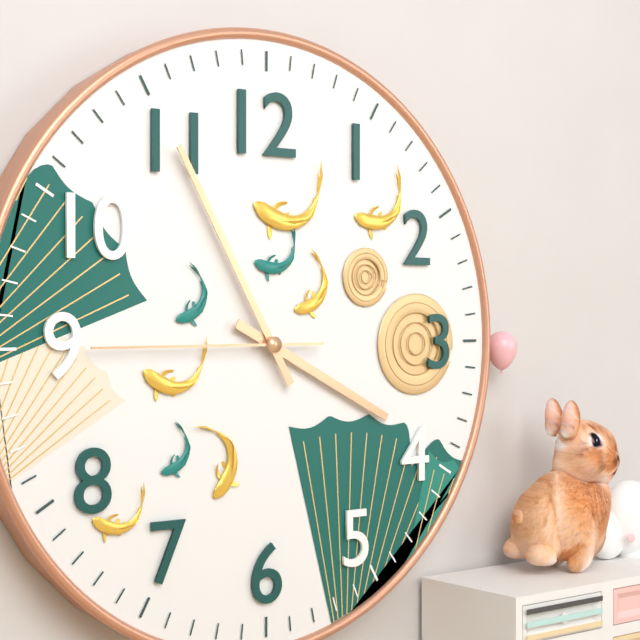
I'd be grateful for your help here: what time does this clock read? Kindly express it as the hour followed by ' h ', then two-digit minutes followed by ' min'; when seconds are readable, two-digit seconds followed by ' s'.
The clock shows 3 h 55 min 45 s
